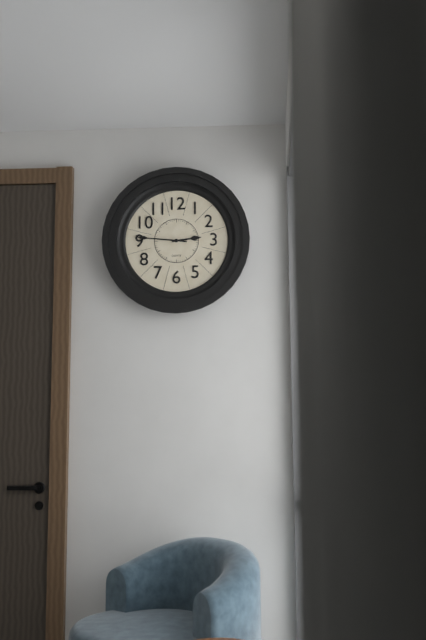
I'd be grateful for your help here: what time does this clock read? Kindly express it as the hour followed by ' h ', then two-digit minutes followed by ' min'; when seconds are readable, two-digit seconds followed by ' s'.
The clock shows 2 h 46 min
